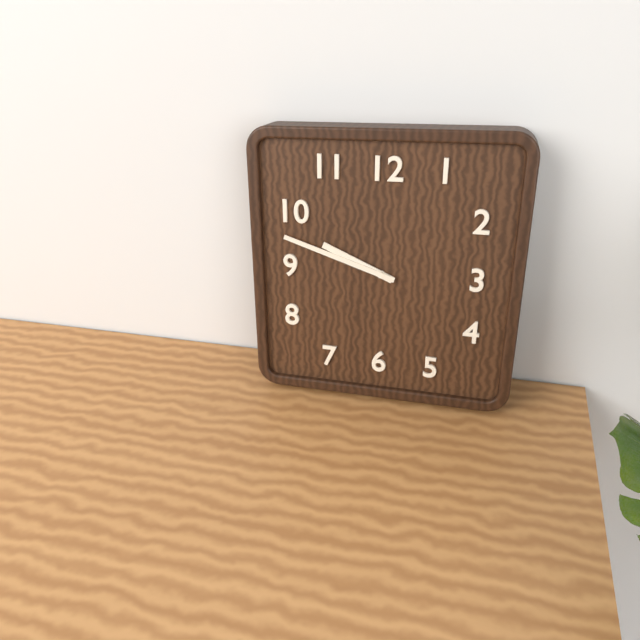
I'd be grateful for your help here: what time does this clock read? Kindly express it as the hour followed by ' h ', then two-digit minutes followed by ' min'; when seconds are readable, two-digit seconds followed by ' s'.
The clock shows 9 h 48 min
